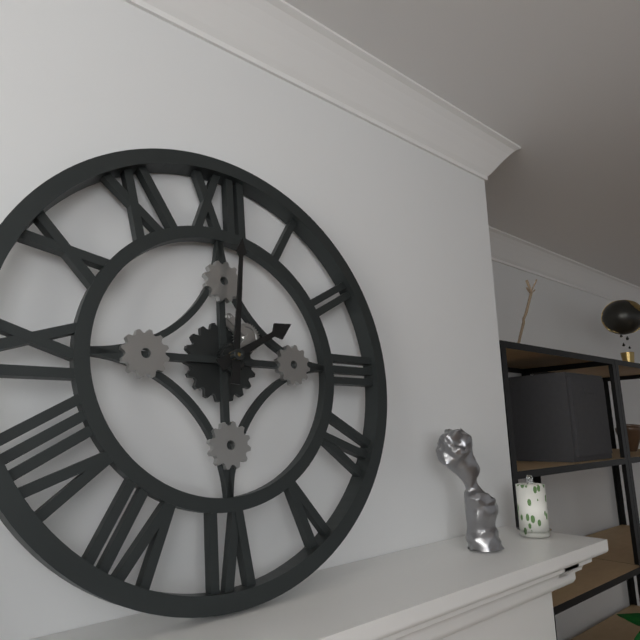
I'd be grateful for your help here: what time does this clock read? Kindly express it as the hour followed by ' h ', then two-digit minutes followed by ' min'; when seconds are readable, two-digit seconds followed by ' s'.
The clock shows 2 h 01 min
